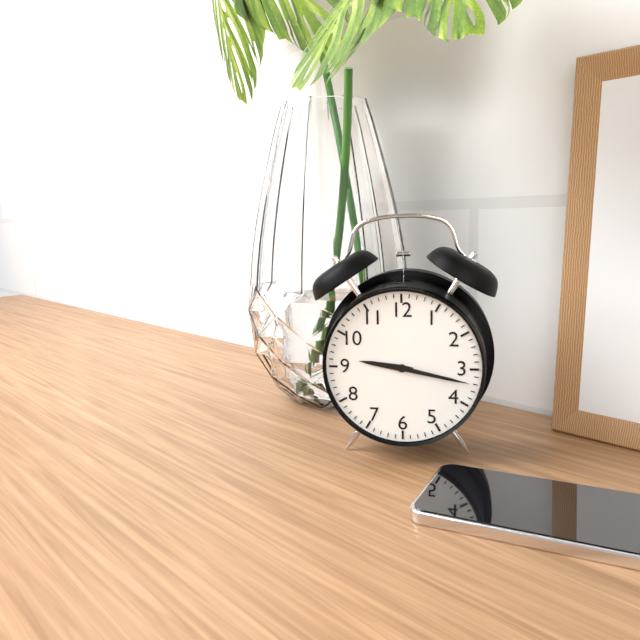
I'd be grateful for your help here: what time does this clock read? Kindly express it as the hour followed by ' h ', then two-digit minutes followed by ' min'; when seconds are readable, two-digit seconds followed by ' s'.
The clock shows 9 h 17 min
